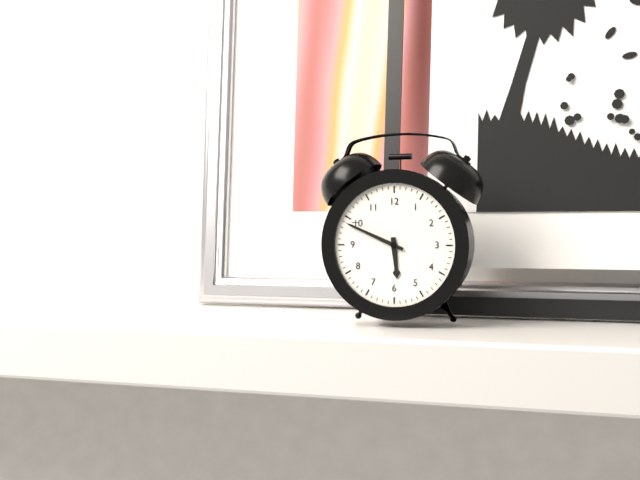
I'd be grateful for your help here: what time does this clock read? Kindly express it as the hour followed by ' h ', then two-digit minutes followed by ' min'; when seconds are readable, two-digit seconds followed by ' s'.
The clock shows 5 h 49 min
